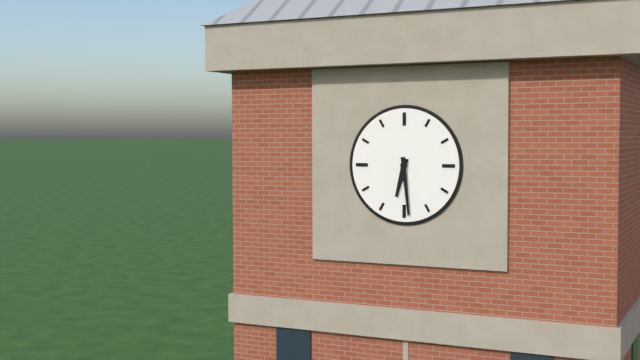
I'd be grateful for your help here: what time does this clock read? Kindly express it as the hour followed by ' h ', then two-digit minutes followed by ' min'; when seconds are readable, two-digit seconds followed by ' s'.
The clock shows 6 h 29 min
